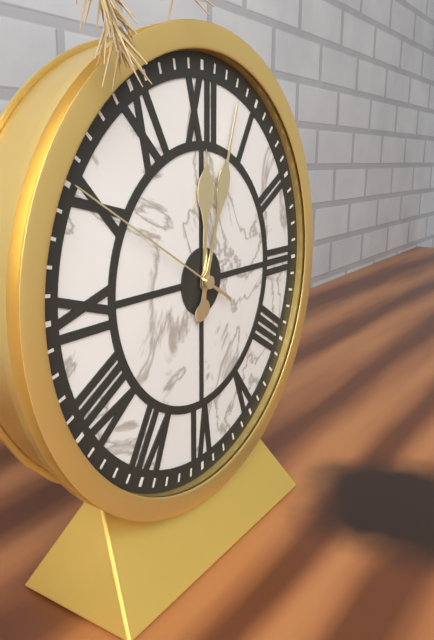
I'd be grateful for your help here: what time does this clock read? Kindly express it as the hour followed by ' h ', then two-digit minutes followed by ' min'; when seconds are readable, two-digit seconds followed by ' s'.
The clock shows 12 h 03 min 50 s
